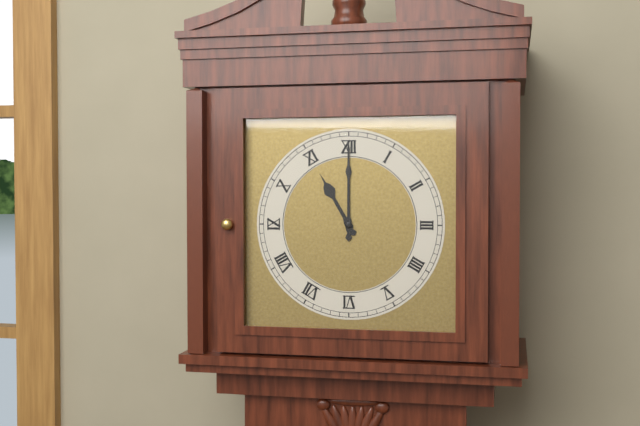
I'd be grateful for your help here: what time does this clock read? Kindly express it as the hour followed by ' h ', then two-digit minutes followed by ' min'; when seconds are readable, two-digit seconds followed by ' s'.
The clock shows 11 h 00 min
